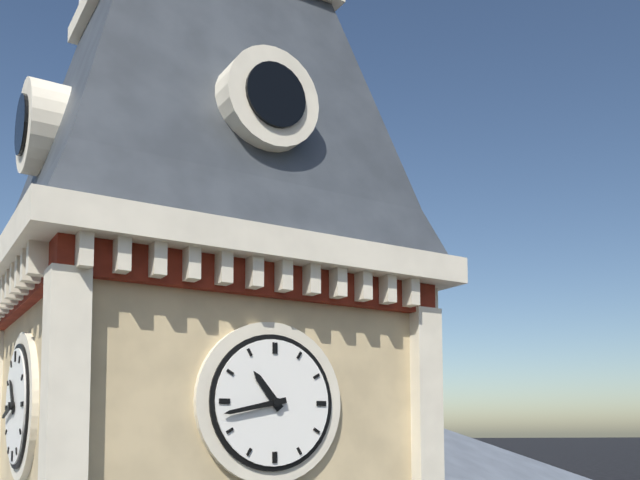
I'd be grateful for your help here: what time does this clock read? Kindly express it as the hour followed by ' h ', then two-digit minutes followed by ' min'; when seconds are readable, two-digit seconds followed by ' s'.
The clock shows 10 h 43 min
